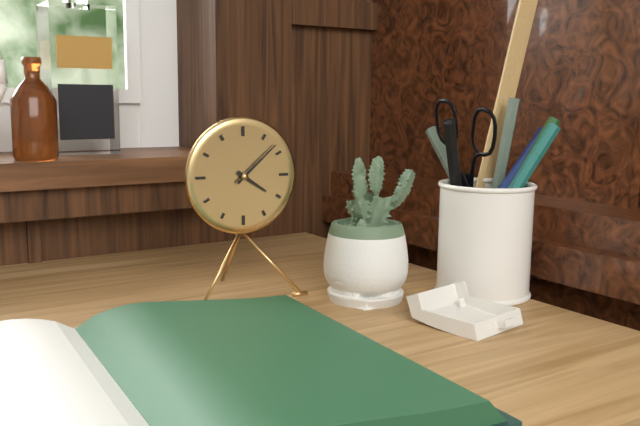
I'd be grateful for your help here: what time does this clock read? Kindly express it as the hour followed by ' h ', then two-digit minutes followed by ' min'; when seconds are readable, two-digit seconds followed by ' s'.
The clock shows 4 h 08 min
